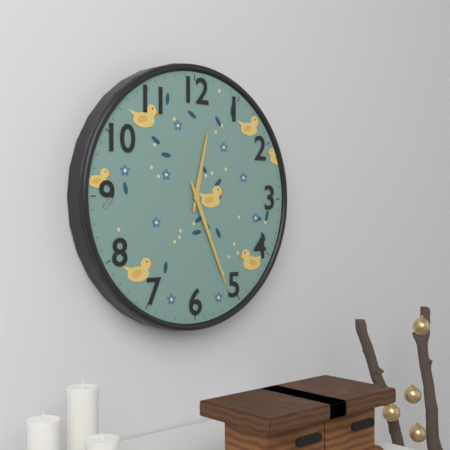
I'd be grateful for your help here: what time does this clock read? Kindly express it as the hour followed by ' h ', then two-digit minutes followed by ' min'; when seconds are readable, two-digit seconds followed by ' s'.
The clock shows 12 h 26 min
